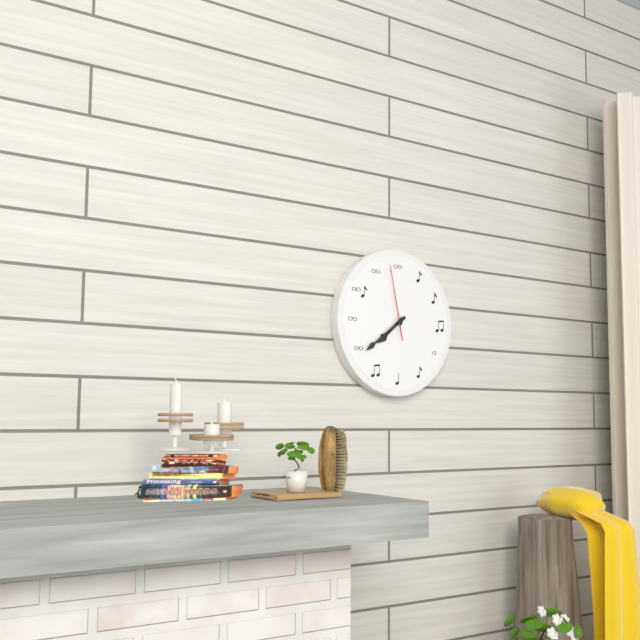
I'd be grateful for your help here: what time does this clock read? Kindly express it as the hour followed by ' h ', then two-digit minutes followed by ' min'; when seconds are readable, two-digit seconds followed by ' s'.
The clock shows 7 h 39 min 58 s
